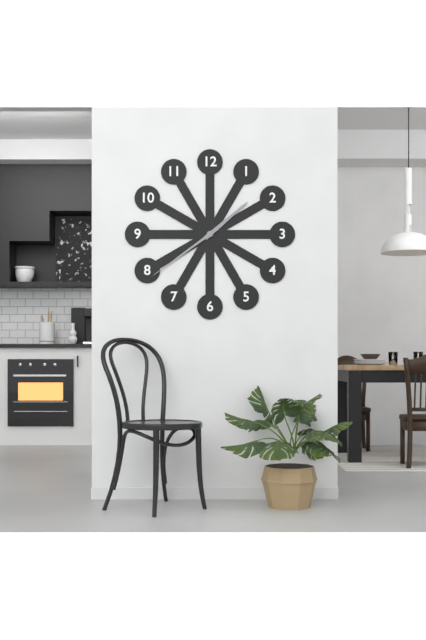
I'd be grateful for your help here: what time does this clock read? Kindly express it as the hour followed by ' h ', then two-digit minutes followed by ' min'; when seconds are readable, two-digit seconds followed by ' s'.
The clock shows 1 h 39 min
